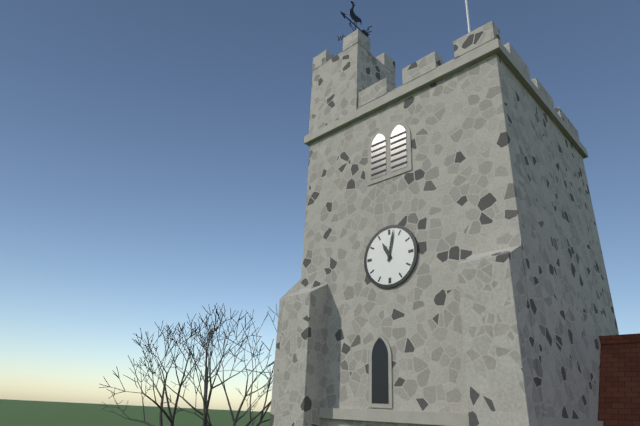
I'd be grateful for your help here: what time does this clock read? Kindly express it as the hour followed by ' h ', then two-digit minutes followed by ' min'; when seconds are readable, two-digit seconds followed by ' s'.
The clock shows 11 h 02 min
